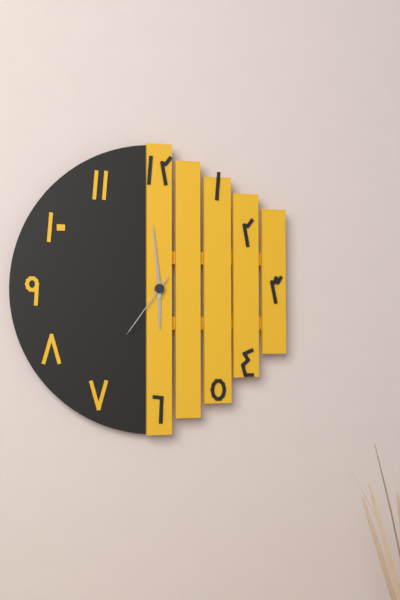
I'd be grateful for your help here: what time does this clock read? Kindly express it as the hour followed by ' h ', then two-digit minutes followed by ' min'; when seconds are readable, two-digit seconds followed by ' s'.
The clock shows 5 h 59 min 36 s
